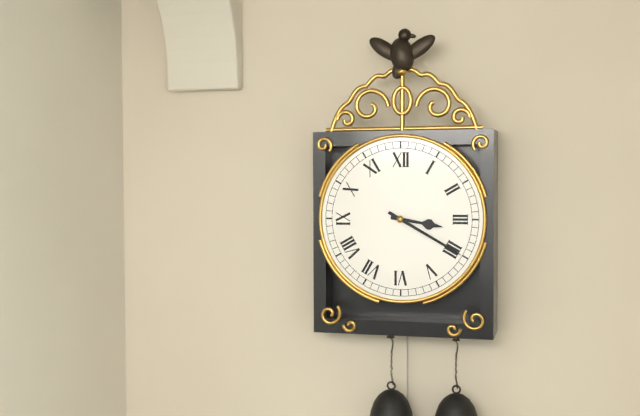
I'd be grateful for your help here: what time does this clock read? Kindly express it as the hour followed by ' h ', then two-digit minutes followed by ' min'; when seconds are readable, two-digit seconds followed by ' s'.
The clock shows 3 h 20 min
